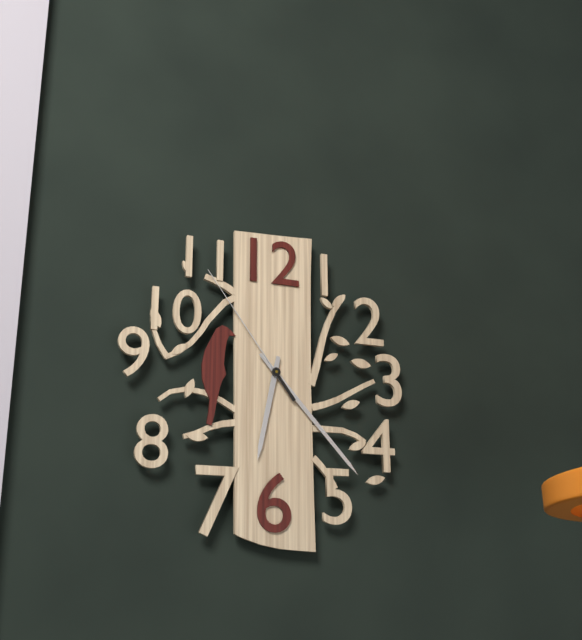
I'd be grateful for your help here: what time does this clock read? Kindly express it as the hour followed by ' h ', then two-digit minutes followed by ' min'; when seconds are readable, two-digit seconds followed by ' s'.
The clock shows 6 h 23 min 54 s
